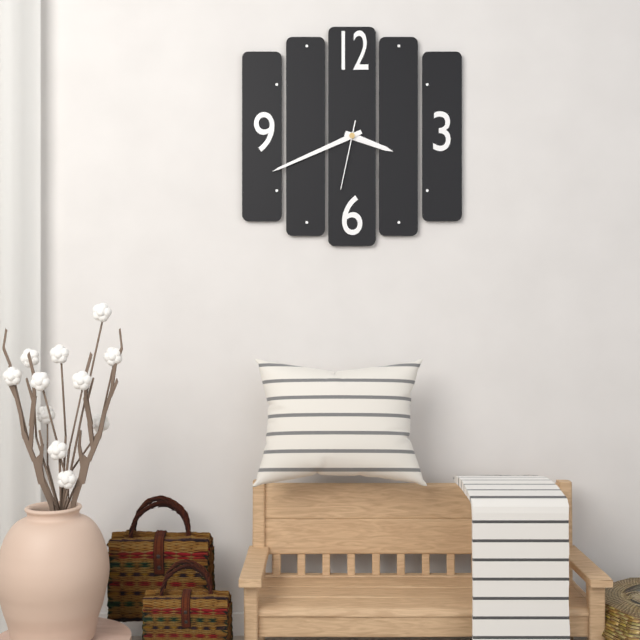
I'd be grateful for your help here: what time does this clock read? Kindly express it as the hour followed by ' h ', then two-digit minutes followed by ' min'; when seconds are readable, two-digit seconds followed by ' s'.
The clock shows 3 h 41 min 32 s
